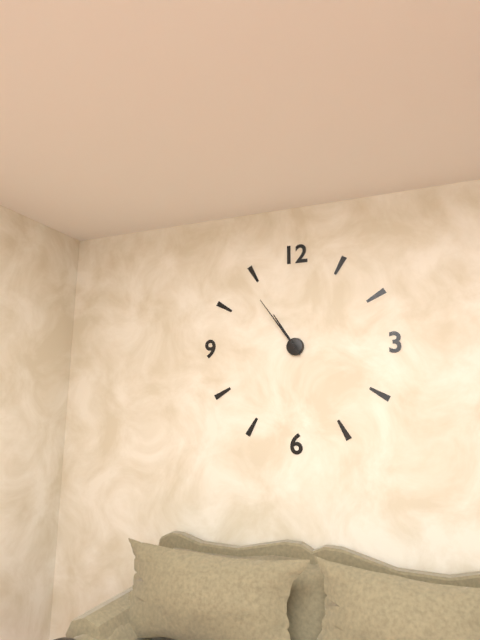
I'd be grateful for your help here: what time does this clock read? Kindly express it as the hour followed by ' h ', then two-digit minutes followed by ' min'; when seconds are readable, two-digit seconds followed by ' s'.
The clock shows 10 h 54 min
